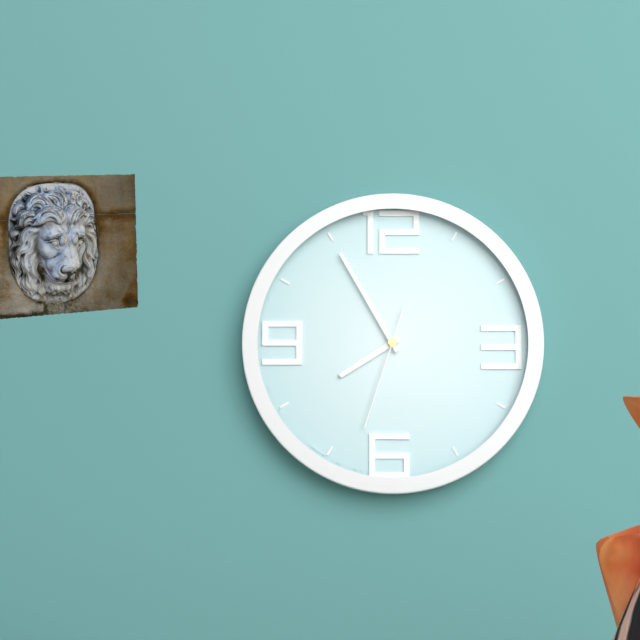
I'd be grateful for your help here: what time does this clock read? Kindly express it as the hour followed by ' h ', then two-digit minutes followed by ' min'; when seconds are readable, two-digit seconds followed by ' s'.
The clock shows 7 h 55 min 33 s
